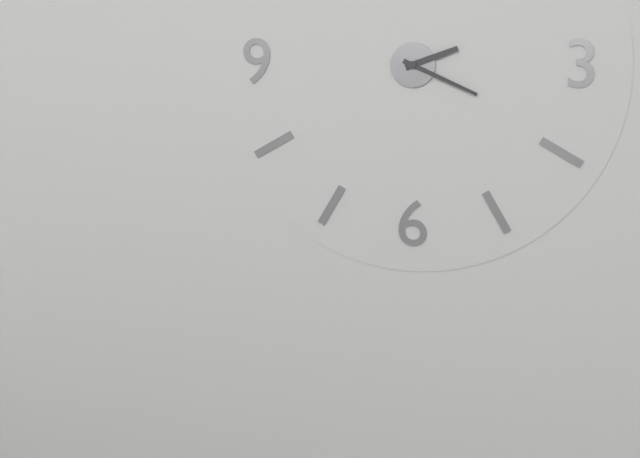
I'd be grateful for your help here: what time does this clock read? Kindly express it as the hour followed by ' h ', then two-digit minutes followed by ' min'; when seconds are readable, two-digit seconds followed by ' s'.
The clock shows 2 h 19 min
